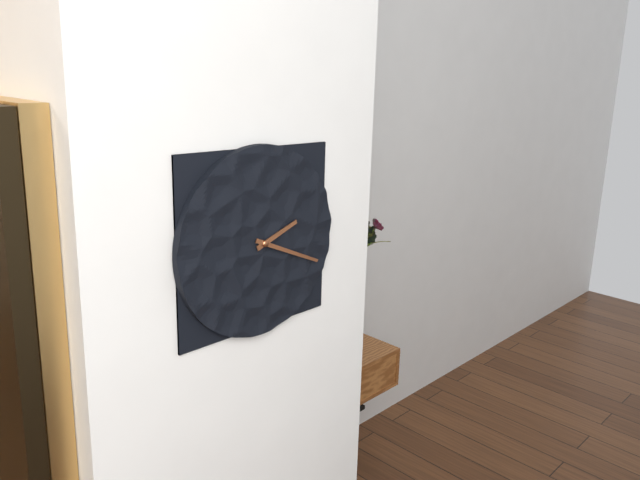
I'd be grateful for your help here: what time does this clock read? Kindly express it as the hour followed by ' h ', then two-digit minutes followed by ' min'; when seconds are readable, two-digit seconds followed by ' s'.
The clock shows 2 h 19 min
